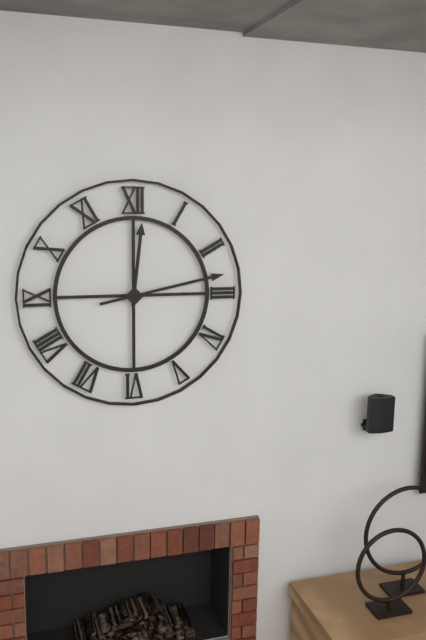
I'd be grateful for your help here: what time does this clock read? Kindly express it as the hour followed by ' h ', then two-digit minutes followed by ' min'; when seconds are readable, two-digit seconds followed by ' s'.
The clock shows 12 h 13 min
